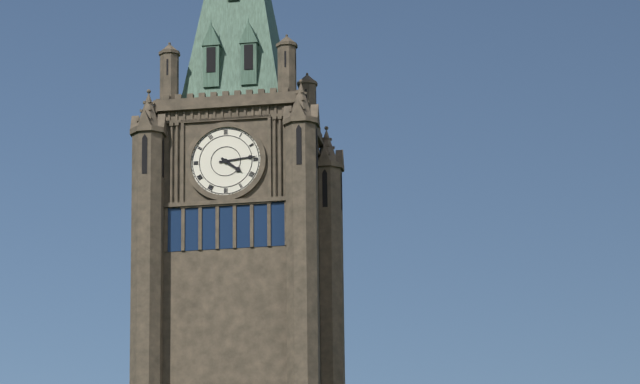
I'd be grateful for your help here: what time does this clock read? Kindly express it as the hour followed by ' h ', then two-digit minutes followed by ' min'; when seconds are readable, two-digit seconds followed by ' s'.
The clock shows 4 h 14 min
